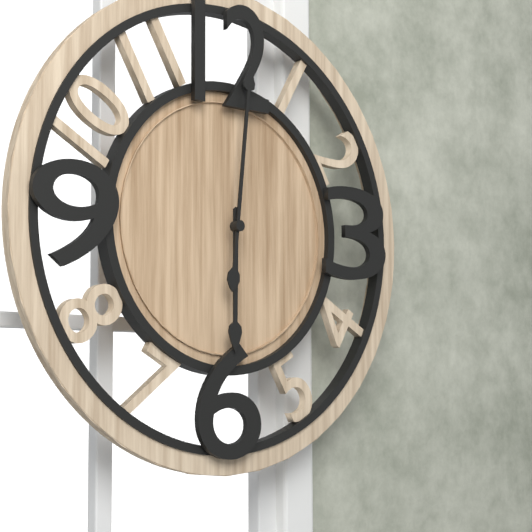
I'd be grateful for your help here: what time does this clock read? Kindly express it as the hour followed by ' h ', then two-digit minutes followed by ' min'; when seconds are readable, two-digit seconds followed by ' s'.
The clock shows 6 h 01 min
